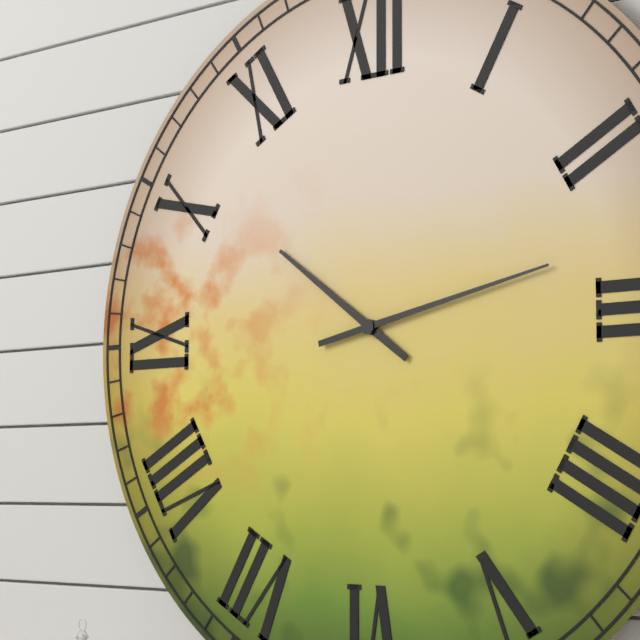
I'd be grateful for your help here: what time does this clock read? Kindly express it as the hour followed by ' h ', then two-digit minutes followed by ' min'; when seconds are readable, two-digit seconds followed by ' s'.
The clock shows 10 h 13 min
